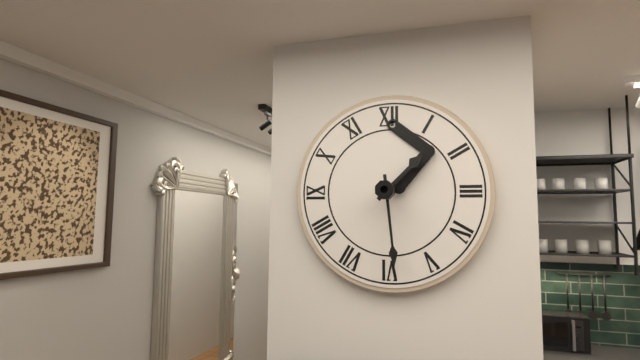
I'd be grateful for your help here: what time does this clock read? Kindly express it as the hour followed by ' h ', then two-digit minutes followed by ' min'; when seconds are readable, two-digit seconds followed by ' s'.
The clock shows 1 h 29 min
